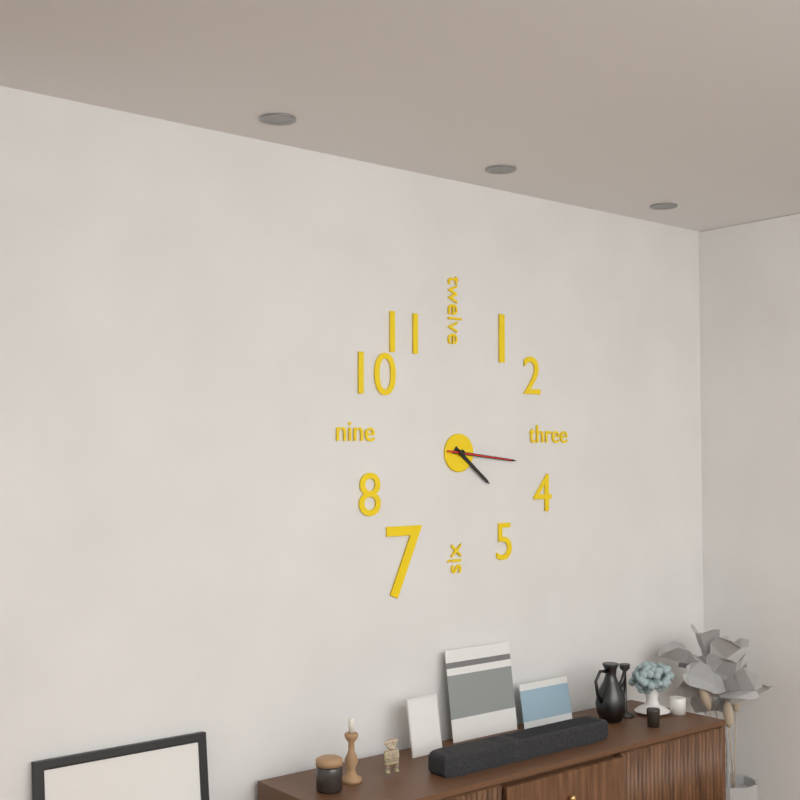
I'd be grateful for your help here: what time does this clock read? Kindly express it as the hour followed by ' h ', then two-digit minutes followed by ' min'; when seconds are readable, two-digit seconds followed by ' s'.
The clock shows 4 h 16 min 16 s
